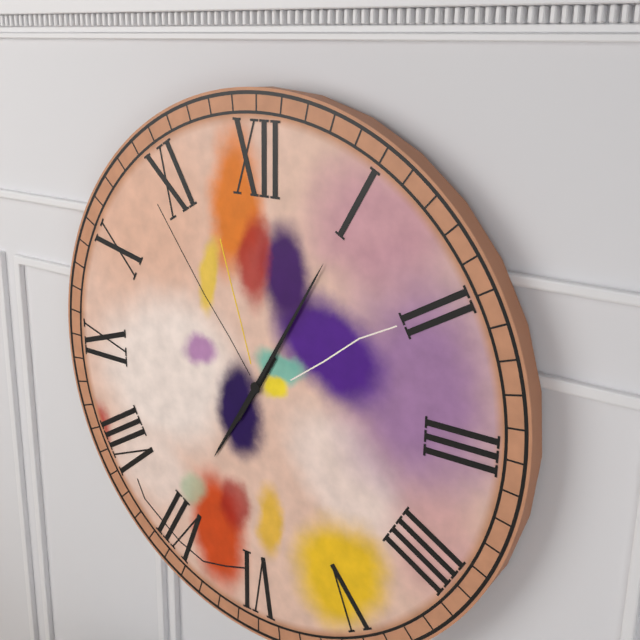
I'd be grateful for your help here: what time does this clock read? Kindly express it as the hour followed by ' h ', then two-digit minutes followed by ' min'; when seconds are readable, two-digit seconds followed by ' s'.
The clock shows 7 h 05 min
